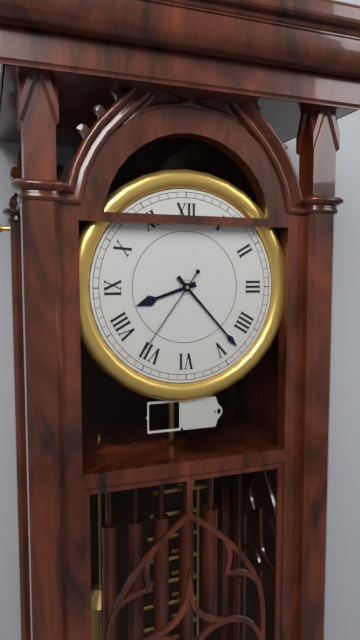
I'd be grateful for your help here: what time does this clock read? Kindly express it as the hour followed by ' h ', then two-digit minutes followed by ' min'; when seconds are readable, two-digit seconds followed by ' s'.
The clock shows 8 h 23 min 36 s
